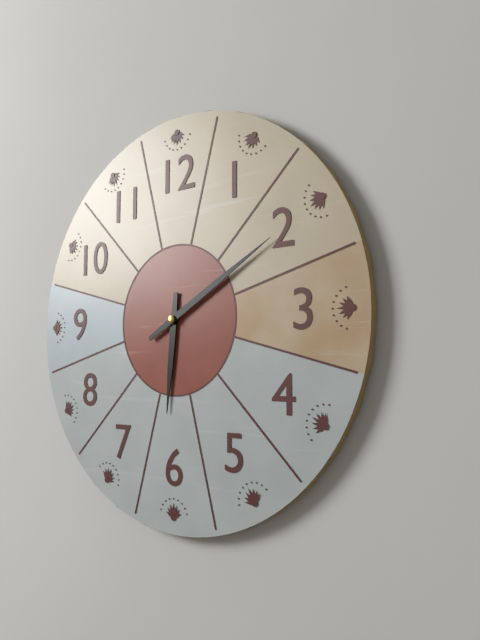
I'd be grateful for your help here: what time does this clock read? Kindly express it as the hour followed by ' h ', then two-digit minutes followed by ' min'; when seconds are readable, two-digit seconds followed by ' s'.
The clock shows 6 h 10 min
